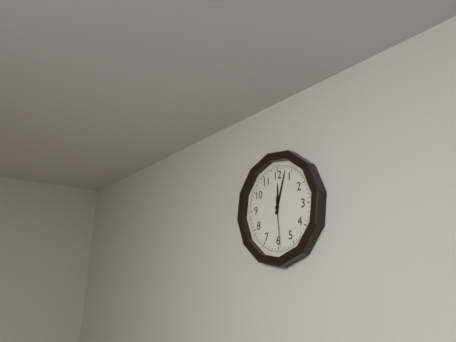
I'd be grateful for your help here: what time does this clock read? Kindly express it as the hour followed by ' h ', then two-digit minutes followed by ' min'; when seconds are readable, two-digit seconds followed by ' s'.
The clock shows 12 h 03 min 29 s
